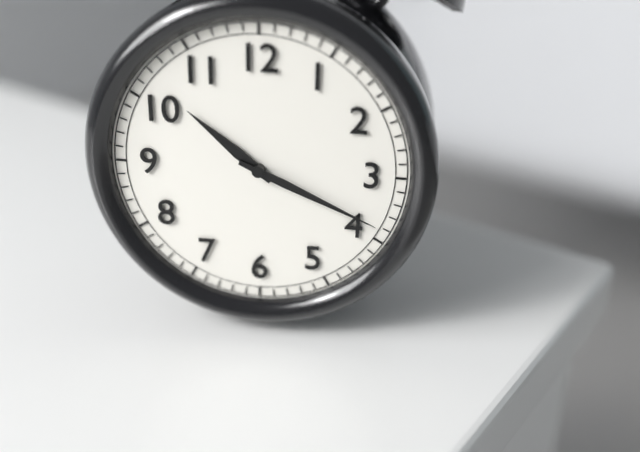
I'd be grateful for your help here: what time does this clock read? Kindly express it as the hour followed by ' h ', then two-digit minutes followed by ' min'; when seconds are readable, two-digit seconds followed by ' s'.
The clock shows 10 h 19 min
